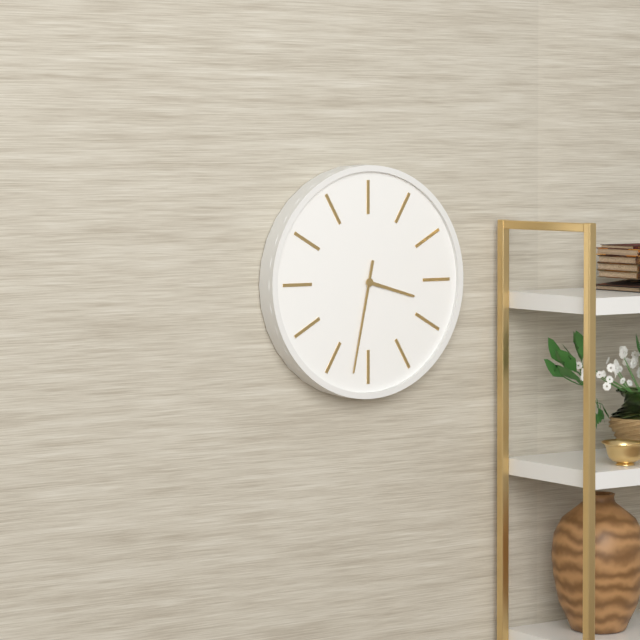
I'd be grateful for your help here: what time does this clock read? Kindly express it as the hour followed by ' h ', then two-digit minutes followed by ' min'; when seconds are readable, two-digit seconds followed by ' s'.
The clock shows 3 h 32 min
